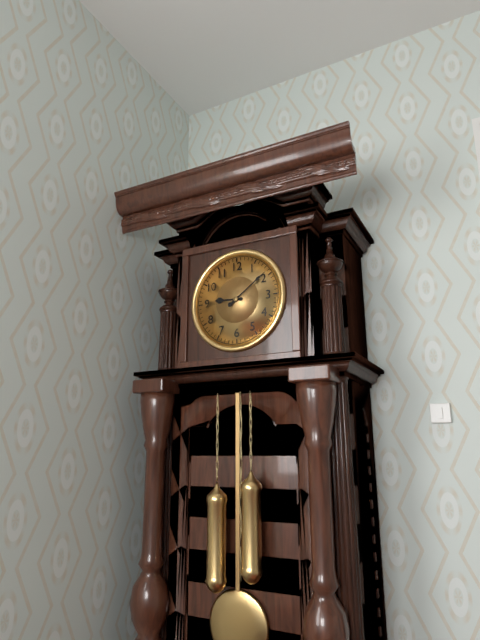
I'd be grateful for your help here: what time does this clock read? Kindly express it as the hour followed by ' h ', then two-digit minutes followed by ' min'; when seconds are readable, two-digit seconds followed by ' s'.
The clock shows 9 h 09 min
